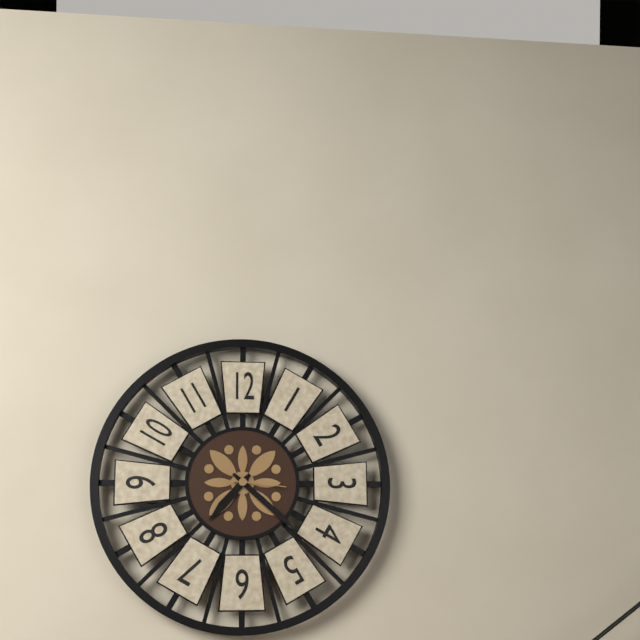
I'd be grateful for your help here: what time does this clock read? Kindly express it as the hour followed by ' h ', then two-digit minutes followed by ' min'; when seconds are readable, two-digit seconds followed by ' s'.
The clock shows 7 h 22 min 16 s
